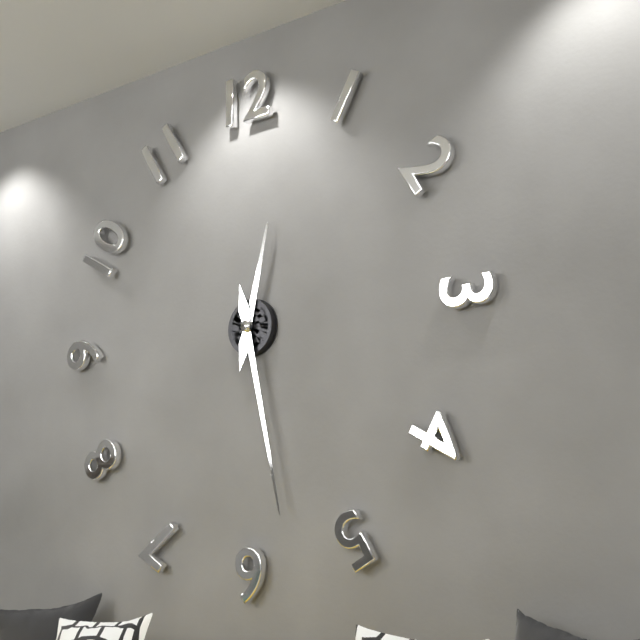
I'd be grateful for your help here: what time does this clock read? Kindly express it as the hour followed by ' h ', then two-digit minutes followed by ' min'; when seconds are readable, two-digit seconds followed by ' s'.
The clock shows 12 h 28 min
